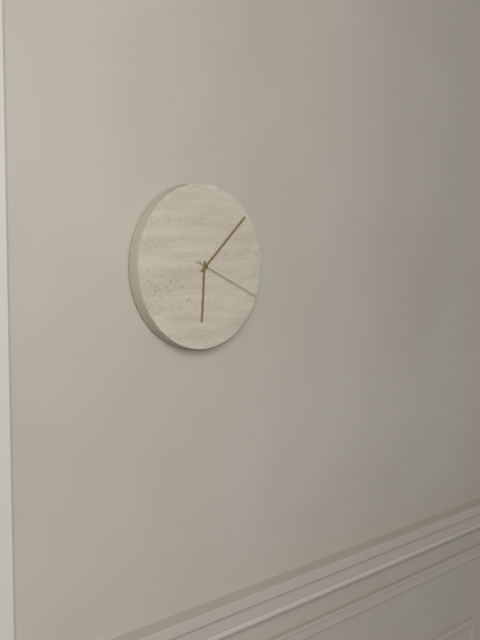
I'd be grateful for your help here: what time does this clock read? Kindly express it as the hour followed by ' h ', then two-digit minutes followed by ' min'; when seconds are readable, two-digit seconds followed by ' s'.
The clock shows 6 h 08 min 19 s
